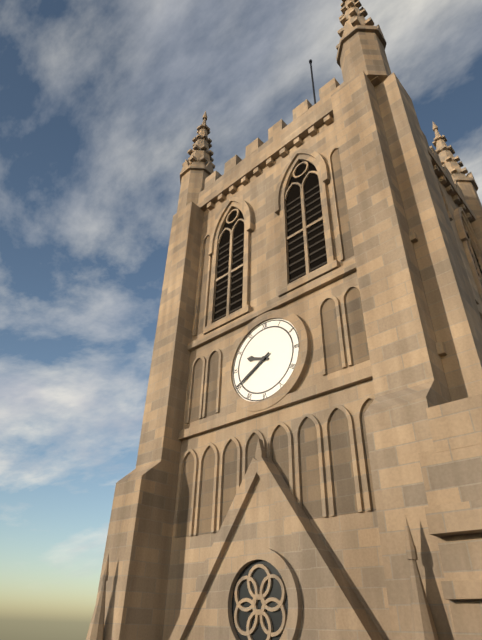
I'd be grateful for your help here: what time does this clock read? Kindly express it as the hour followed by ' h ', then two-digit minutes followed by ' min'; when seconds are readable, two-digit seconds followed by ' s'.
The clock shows 9 h 40 min
